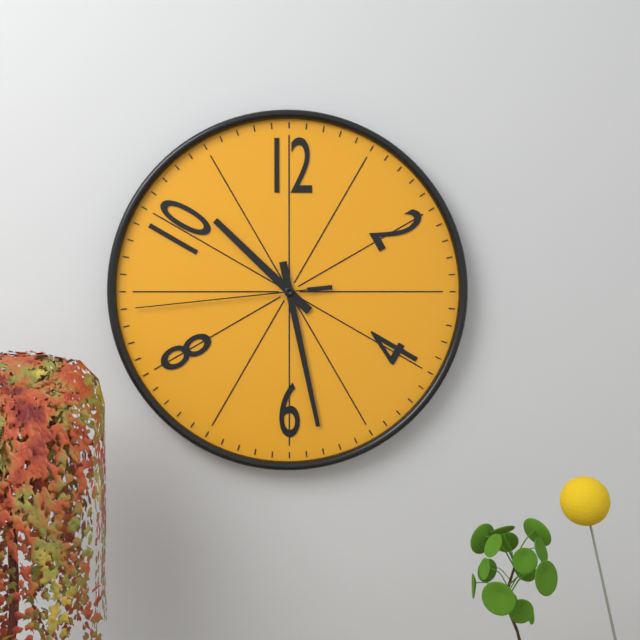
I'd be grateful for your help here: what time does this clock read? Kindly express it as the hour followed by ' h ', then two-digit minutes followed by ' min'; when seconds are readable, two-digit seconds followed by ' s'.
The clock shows 10 h 28 min 44 s
